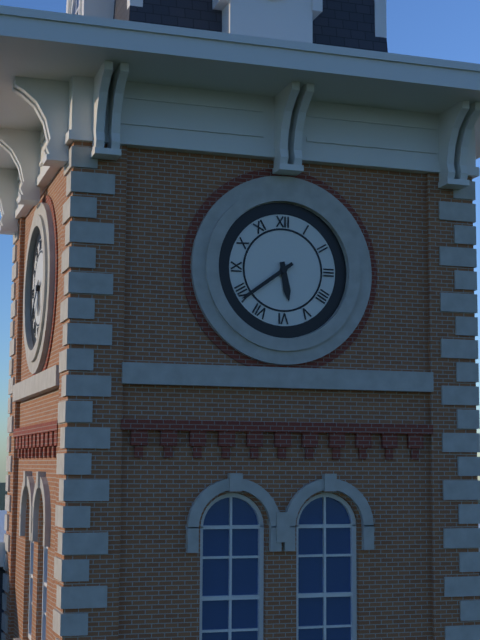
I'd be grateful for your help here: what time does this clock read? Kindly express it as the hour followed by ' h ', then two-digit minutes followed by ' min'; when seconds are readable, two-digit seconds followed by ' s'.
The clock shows 5 h 39 min
